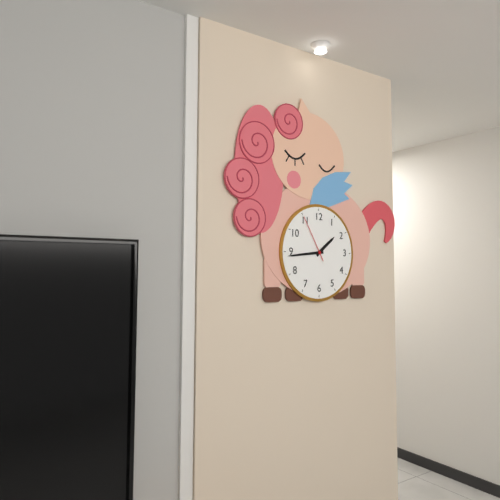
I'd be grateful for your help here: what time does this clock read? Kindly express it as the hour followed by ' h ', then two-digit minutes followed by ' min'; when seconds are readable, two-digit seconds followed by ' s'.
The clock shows 1 h 44 min
